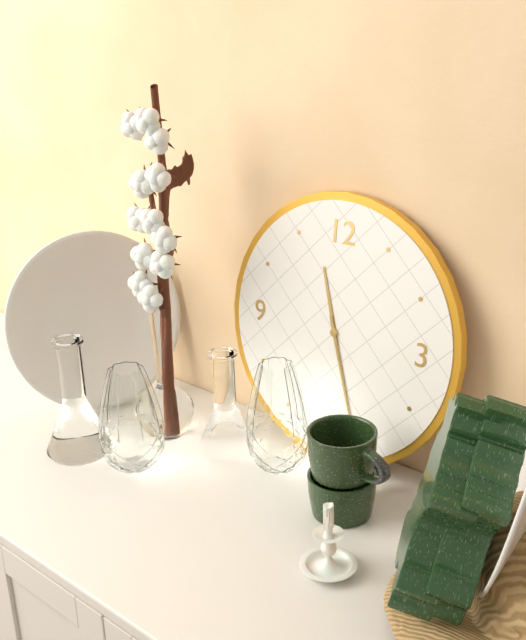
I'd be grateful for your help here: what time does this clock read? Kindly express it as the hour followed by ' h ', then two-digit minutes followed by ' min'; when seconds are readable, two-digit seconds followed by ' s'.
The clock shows 11 h 27 min
